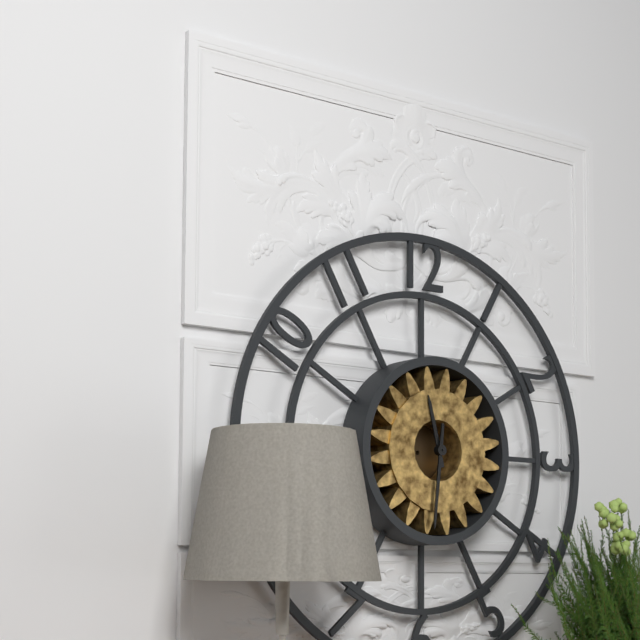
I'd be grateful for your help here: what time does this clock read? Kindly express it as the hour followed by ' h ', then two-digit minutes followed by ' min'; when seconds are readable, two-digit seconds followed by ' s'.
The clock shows 11 h 31 min
